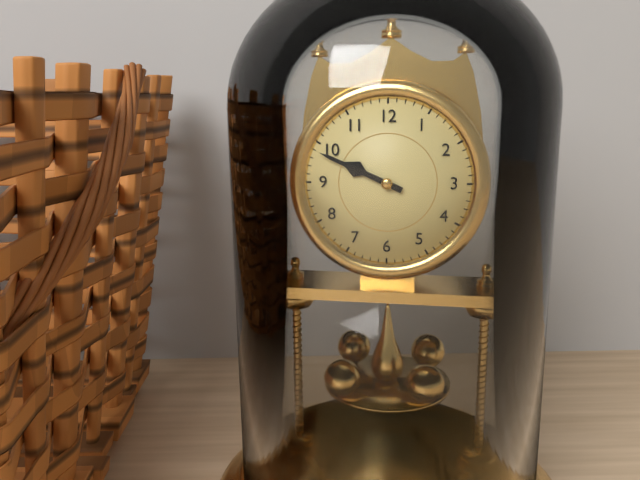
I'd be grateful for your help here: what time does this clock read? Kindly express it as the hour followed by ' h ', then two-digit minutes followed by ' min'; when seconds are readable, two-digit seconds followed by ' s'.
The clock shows 9 h 49 min
